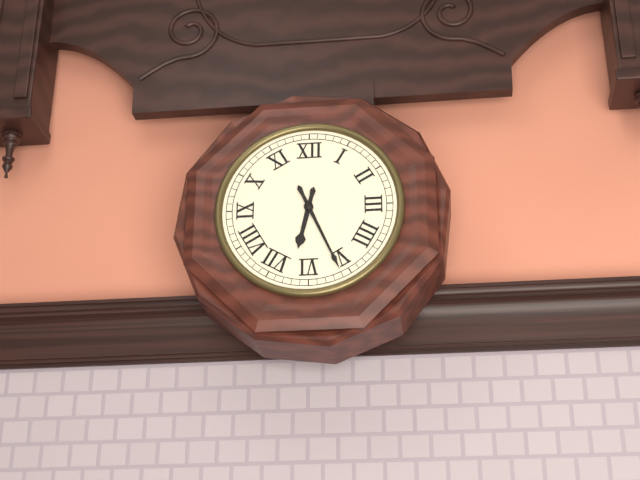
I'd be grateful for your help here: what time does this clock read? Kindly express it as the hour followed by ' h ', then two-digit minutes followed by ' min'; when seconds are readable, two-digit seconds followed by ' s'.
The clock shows 6 h 26 min
